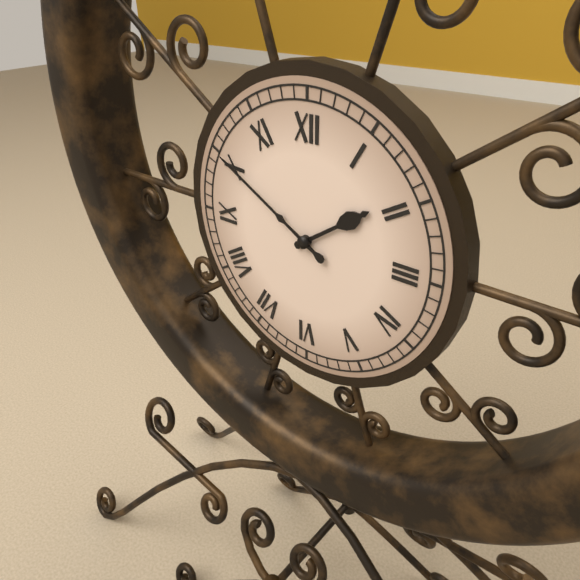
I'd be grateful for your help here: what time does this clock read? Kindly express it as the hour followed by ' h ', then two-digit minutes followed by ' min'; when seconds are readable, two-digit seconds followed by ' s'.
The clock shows 1 h 50 min
